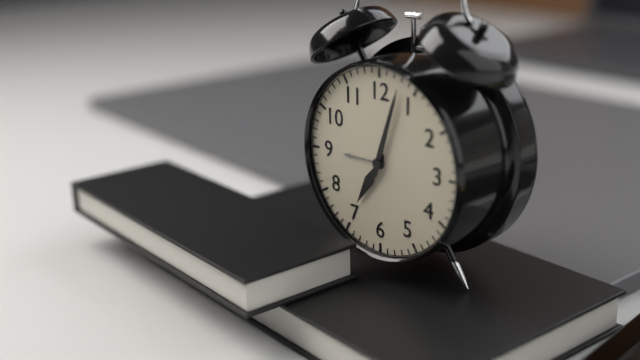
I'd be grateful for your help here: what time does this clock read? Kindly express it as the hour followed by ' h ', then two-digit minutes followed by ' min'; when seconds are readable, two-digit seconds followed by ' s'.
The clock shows 7 h 03 min
